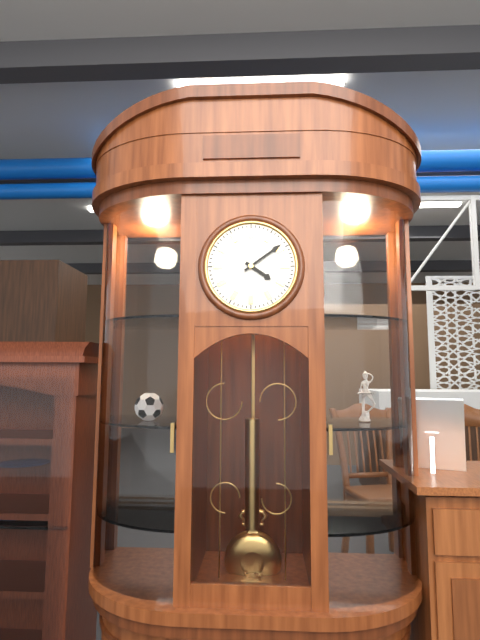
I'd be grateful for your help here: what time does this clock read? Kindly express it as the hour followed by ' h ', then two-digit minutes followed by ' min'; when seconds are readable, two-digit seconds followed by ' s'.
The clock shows 4 h 09 min
